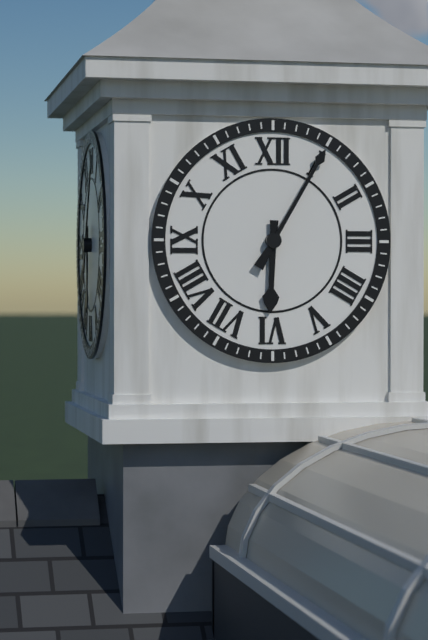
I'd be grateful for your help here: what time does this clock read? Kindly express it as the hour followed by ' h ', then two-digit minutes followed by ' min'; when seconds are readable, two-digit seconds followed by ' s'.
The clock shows 6 h 05 min
